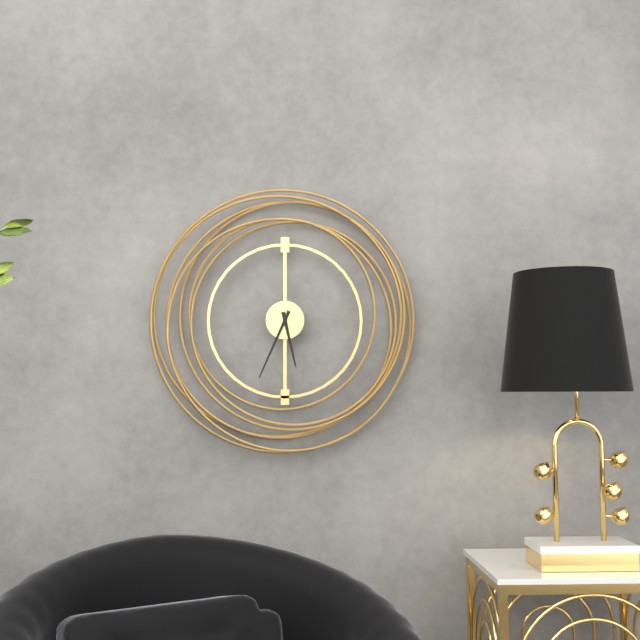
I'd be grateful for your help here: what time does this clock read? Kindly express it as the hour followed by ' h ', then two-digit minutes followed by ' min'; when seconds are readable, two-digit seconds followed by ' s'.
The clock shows 5 h 34 min
